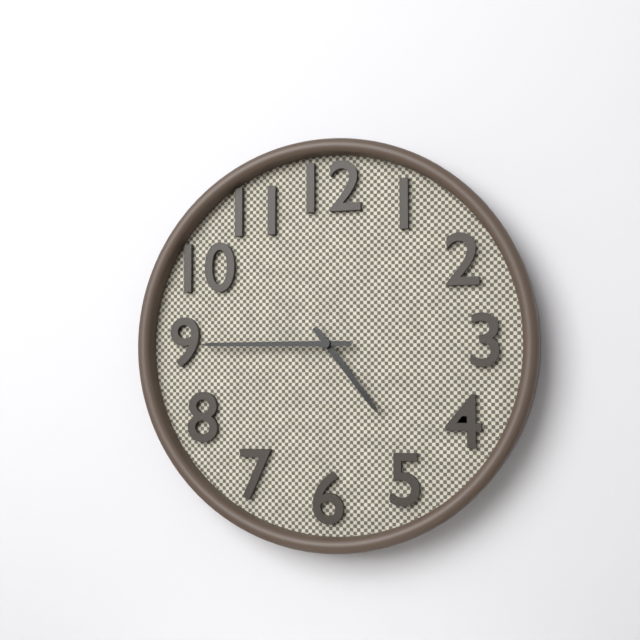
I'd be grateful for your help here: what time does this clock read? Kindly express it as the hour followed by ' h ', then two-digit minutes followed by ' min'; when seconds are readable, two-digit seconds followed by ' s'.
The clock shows 4 h 45 min
